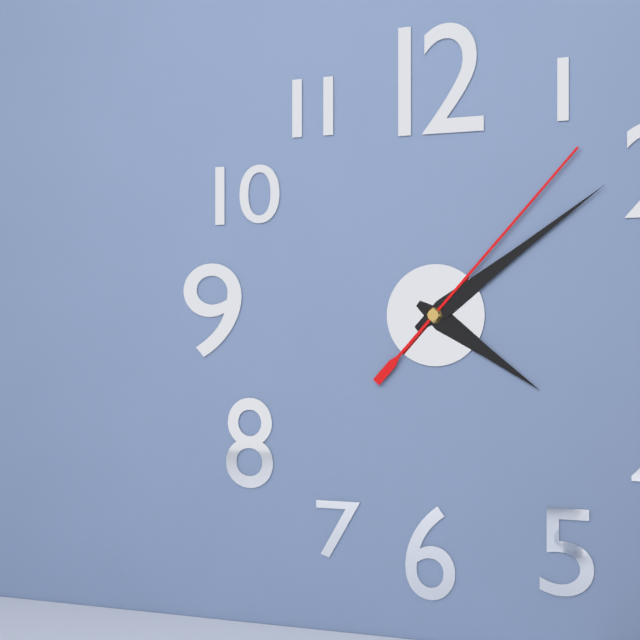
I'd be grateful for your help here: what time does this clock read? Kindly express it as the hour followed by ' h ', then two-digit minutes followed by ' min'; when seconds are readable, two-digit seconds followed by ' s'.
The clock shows 4 h 09 min 07 s
